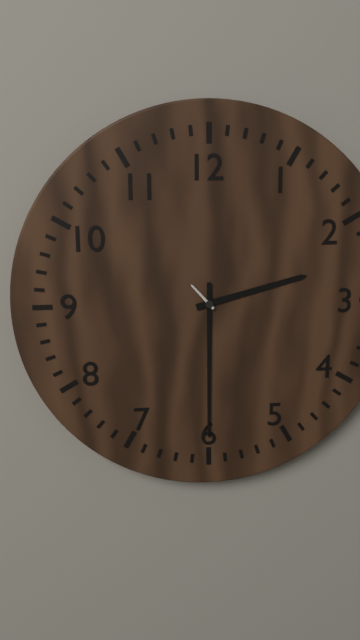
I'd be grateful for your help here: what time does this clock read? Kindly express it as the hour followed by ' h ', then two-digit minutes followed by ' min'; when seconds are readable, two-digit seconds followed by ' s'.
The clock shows 2 h 30 min
